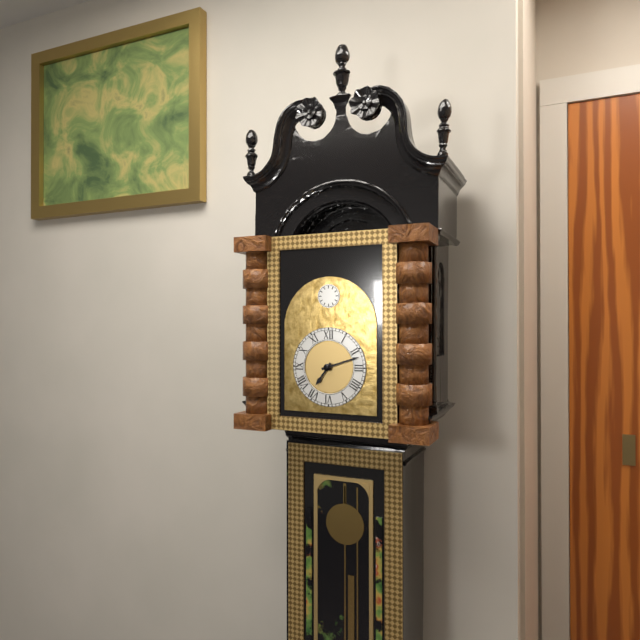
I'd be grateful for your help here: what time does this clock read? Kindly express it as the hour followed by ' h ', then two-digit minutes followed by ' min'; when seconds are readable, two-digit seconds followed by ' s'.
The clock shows 7 h 12 min
